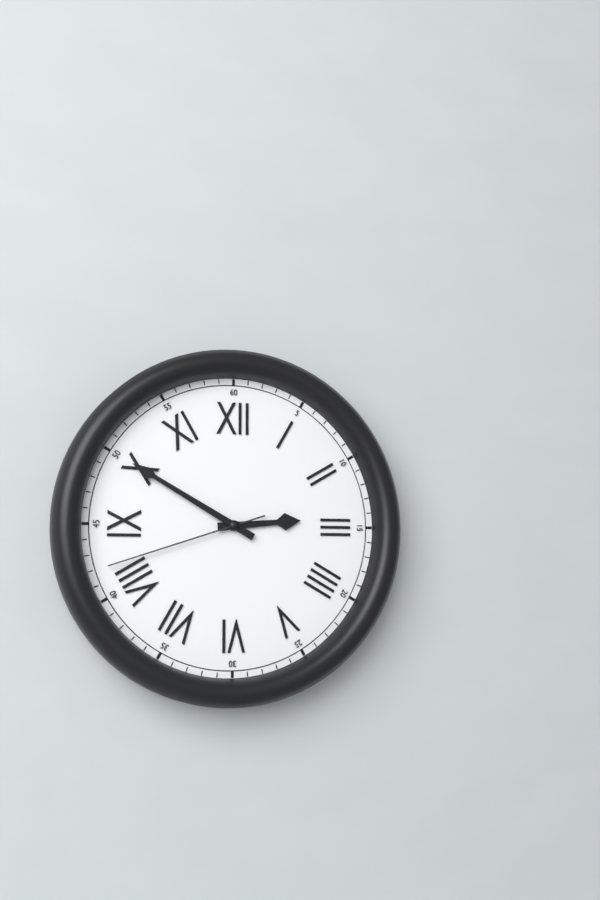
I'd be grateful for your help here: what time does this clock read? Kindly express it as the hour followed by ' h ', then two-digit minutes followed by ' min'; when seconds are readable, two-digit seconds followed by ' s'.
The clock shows 2 h 50 min 42 s
